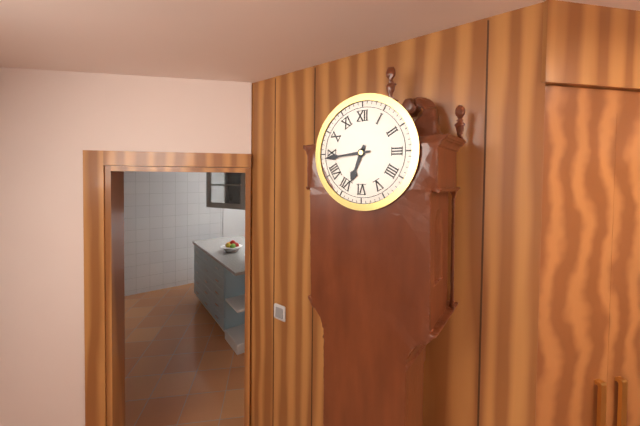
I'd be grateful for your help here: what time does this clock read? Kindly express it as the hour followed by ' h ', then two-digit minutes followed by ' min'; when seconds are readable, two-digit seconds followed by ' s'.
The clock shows 6 h 44 min
